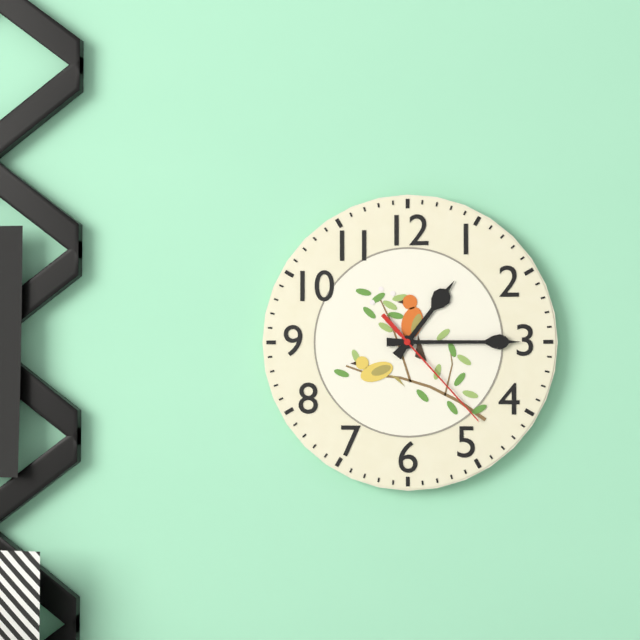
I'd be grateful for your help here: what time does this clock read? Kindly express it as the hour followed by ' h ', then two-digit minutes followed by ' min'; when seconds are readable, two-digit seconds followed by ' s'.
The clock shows 1 h 15 min 23 s
